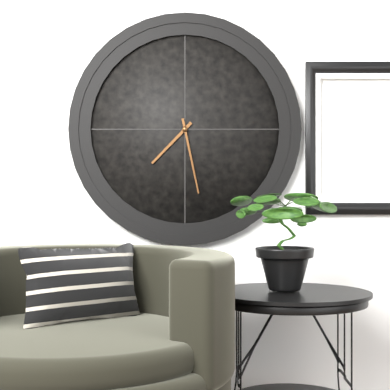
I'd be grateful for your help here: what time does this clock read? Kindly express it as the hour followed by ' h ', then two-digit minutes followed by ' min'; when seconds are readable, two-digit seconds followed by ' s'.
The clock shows 7 h 28 min
